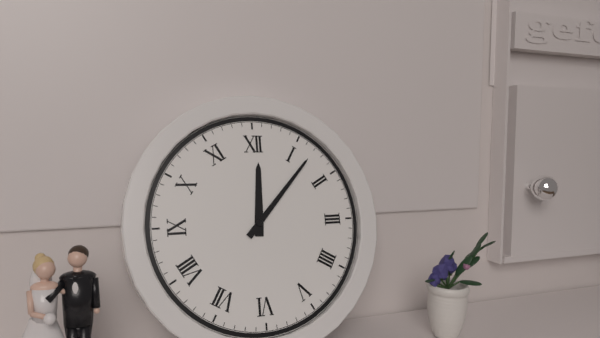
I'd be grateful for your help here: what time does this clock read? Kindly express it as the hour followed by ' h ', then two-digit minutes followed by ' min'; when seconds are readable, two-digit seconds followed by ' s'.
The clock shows 12 h 07 min
